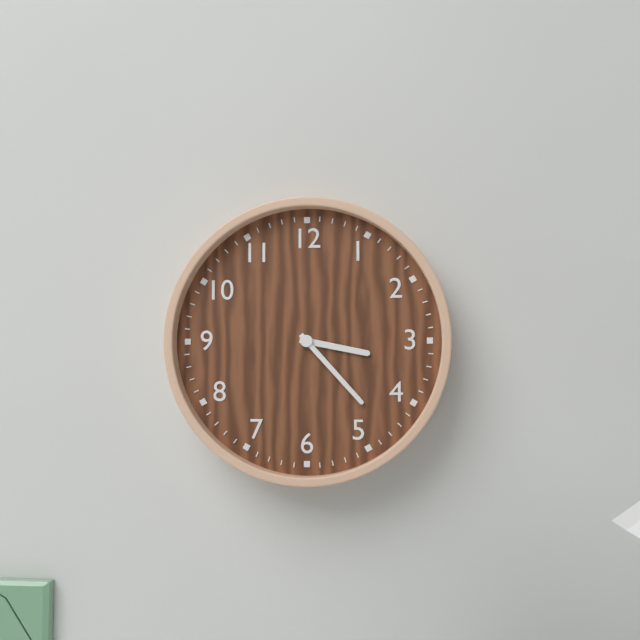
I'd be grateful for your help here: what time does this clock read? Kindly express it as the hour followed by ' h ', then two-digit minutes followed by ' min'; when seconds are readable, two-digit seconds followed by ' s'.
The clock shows 3 h 23 min
